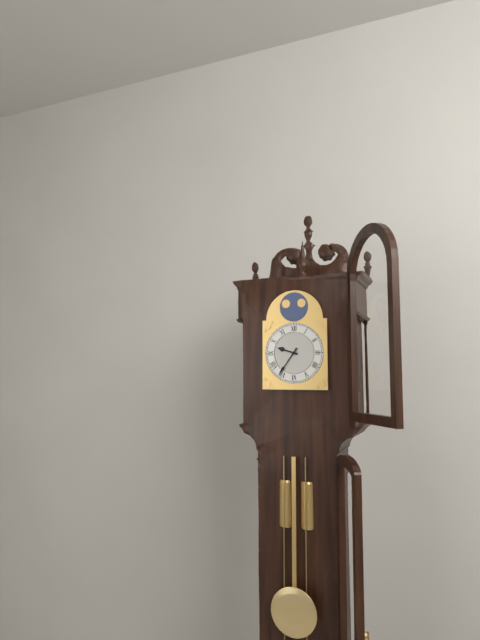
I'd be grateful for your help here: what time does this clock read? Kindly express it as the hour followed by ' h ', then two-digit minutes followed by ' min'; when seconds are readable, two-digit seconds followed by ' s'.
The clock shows 9 h 36 min
